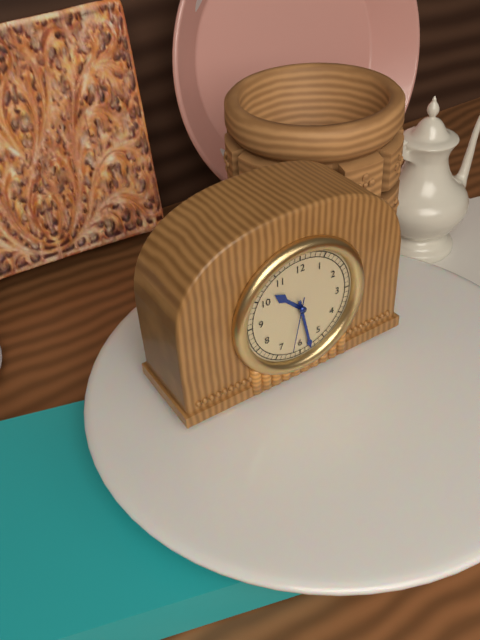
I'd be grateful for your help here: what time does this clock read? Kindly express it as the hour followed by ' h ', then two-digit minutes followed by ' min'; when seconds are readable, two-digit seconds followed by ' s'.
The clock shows 10 h 28 min 32 s
